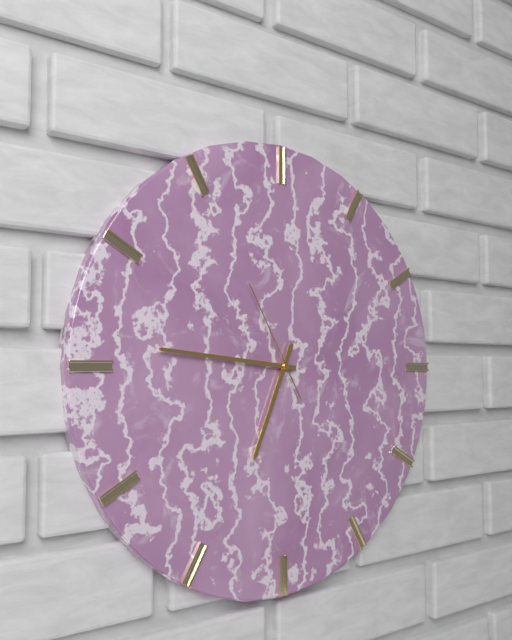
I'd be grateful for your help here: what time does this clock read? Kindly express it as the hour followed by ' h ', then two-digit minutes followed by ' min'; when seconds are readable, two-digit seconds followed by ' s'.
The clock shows 6 h 46 min 55 s
